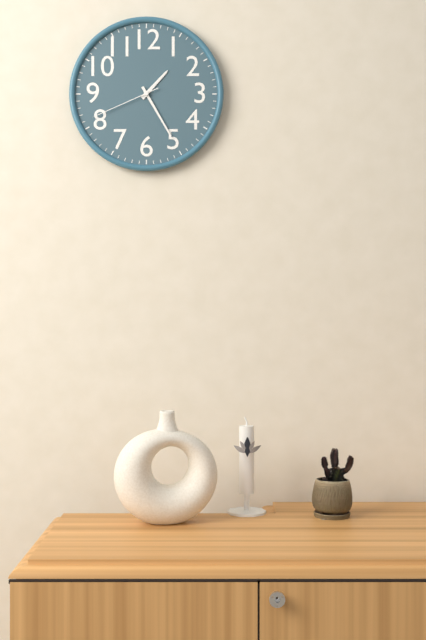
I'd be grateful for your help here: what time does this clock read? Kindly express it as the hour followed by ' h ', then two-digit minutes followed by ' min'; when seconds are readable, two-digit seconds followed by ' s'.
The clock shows 1 h 25 min 41 s
